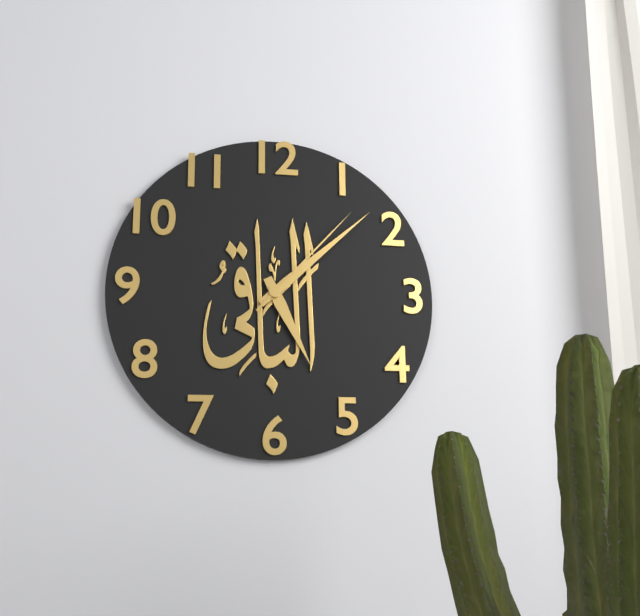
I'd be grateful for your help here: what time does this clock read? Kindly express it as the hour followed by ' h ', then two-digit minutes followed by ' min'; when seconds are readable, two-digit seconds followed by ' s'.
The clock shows 5 h 08 min 07 s
